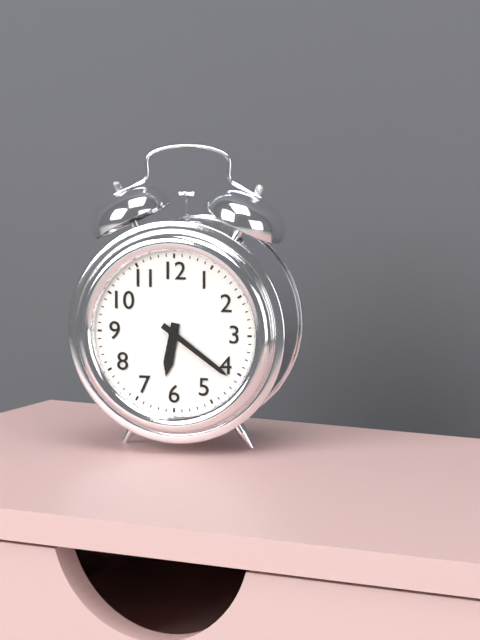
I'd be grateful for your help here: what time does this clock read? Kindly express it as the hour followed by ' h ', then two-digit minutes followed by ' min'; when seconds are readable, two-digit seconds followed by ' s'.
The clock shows 6 h 21 min
